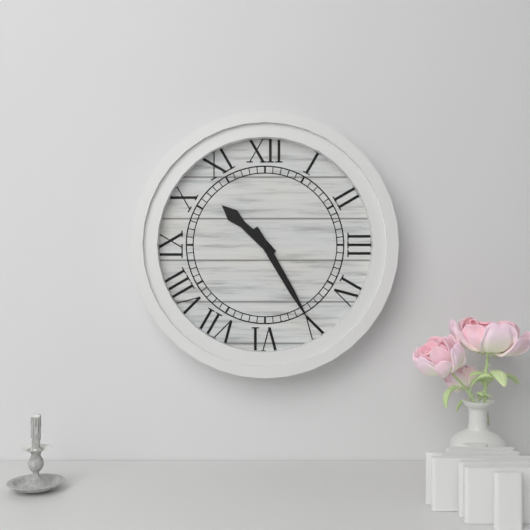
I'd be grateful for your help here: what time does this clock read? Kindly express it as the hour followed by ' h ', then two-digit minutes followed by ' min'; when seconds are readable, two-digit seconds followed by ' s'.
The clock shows 10 h 25 min
